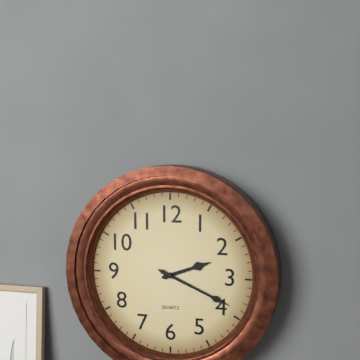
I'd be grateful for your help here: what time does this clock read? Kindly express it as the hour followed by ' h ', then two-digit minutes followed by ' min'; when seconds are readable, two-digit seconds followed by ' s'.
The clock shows 2 h 19 min
